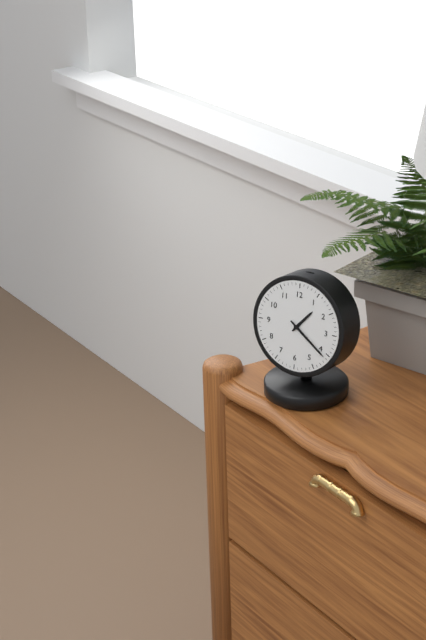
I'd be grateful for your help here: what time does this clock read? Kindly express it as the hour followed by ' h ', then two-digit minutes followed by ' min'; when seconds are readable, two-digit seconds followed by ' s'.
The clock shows 1 h 21 min
